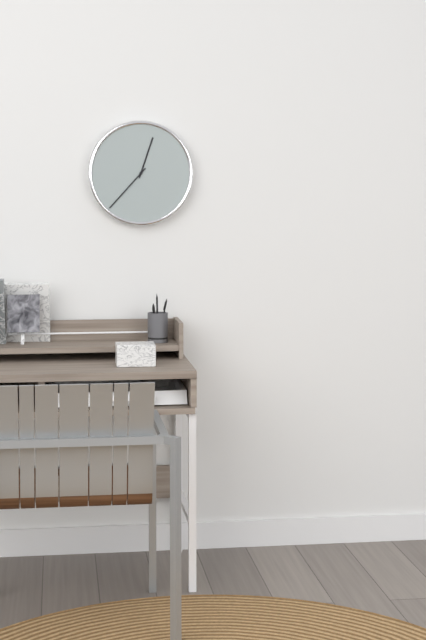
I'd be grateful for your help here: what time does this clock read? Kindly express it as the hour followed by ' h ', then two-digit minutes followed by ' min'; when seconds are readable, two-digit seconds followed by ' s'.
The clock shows 12 h 37 min
